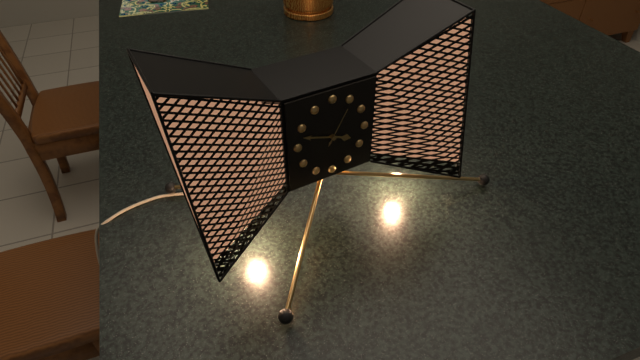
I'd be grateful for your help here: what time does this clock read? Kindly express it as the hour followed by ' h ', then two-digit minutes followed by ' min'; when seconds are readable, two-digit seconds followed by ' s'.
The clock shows 3 h 48 min
